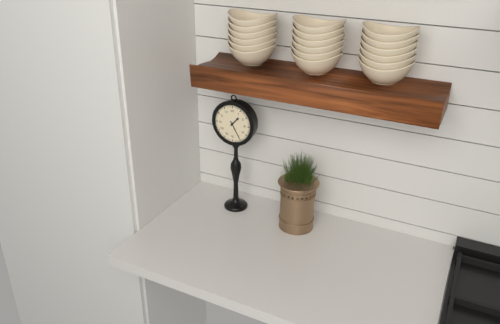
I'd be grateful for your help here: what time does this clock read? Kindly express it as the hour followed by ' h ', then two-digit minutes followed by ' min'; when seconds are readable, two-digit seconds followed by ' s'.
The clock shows 1 h 25 min
